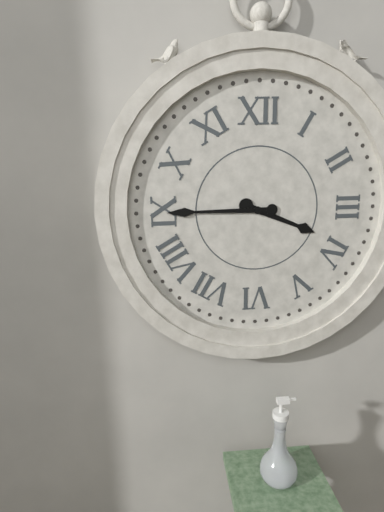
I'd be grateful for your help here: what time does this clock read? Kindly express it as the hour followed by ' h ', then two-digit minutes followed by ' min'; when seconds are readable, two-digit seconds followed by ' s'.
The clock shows 3 h 45 min
